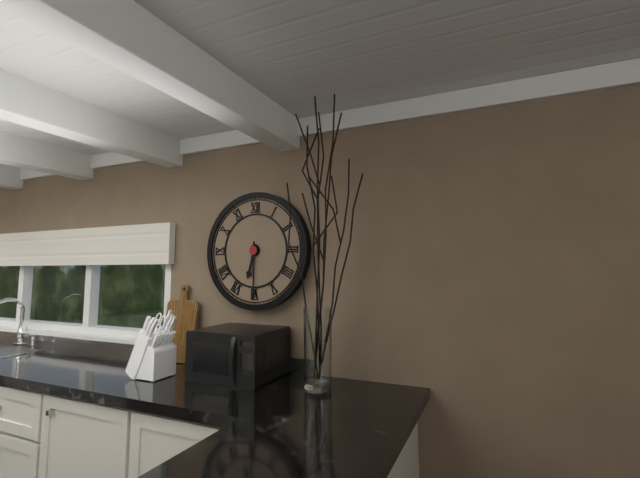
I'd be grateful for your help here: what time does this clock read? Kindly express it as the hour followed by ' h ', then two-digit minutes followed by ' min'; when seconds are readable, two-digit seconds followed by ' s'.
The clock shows 6 h 30 min
